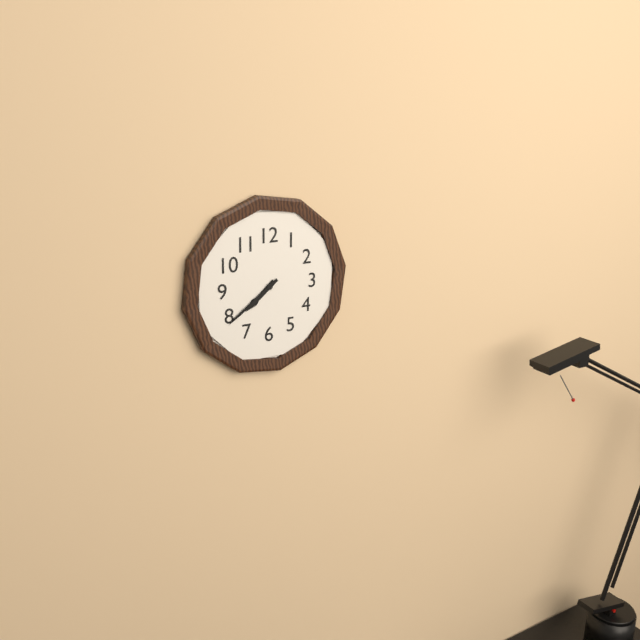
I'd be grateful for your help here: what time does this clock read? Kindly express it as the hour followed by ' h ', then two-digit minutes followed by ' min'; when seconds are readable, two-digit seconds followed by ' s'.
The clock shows 7 h 39 min
